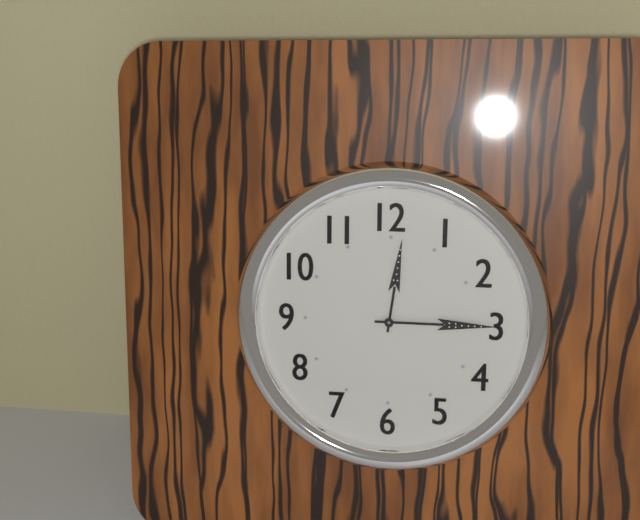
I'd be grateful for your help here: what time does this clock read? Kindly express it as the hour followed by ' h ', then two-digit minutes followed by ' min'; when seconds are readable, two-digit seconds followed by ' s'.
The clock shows 12 h 15 min
